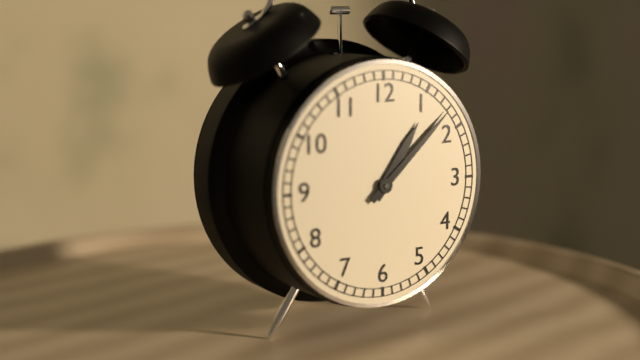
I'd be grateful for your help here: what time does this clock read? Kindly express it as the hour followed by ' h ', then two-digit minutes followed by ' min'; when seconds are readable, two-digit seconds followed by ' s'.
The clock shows 1 h 08 min
